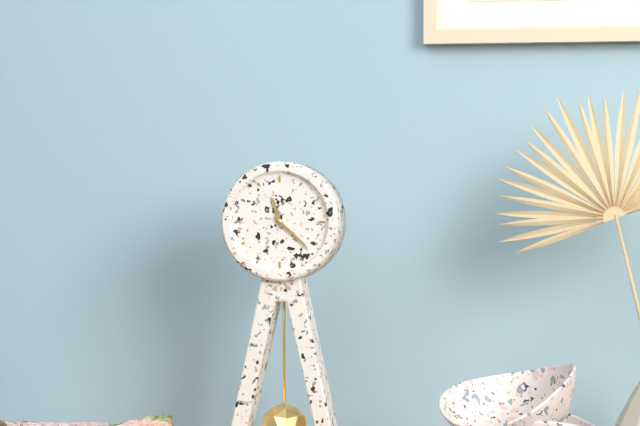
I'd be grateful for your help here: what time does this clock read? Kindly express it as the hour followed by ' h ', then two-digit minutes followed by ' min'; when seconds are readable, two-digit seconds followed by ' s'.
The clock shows 11 h 22 min
